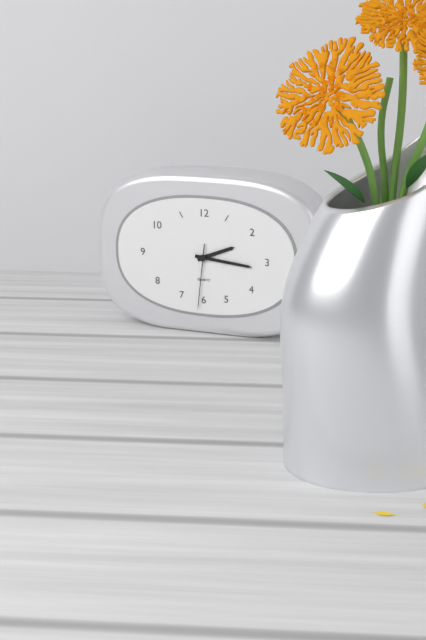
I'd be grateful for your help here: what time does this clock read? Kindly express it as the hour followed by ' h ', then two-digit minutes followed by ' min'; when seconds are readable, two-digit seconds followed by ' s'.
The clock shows 2 h 16 min 31 s
